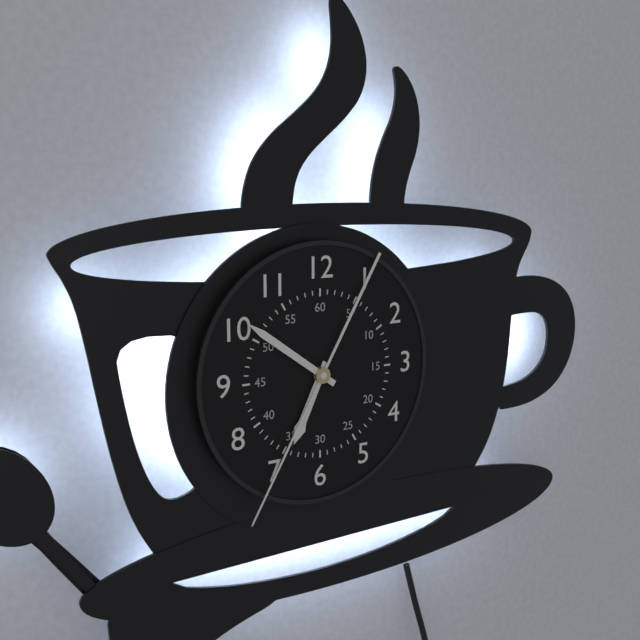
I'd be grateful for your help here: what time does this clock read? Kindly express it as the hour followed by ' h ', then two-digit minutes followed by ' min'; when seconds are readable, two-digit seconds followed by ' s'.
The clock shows 6 h 51 min 35 s
